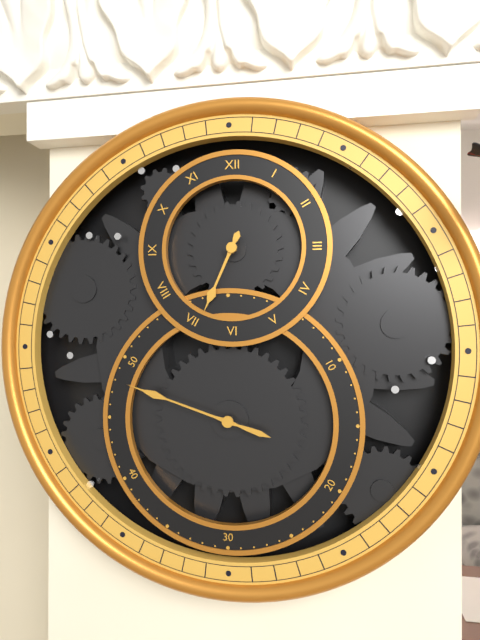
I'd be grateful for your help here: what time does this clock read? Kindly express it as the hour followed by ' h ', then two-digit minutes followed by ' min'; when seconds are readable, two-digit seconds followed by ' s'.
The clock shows 6 h 48 min
